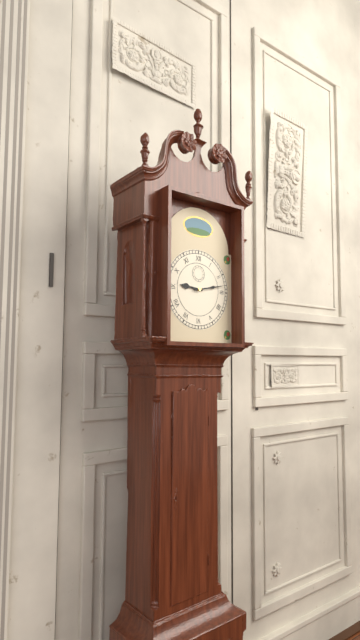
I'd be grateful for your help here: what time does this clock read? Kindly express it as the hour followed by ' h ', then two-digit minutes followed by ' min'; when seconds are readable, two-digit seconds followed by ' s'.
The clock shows 9 h 13 min
